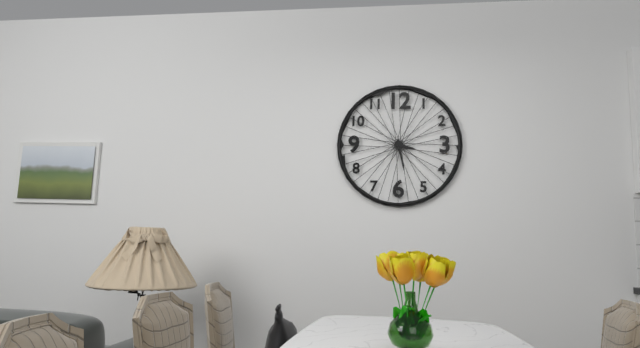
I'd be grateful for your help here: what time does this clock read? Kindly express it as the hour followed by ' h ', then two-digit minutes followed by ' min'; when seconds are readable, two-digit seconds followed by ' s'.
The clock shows 3 h 28 min
